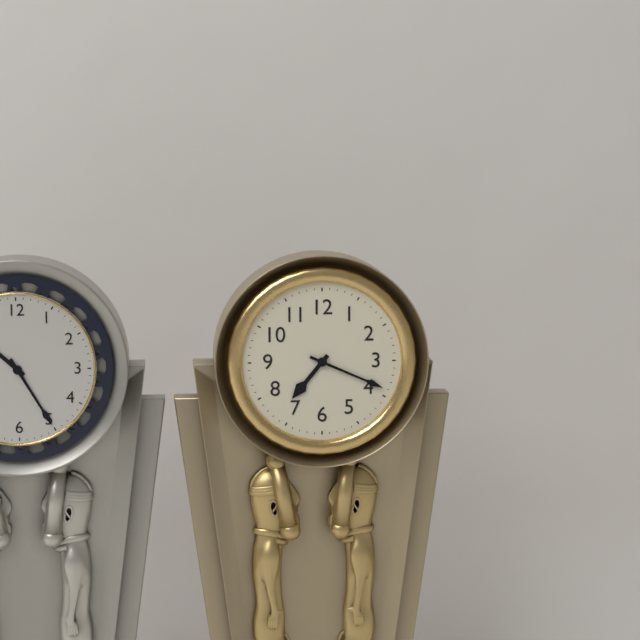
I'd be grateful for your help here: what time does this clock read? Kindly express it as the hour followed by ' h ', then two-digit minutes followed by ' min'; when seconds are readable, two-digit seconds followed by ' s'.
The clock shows 7 h 19 min
